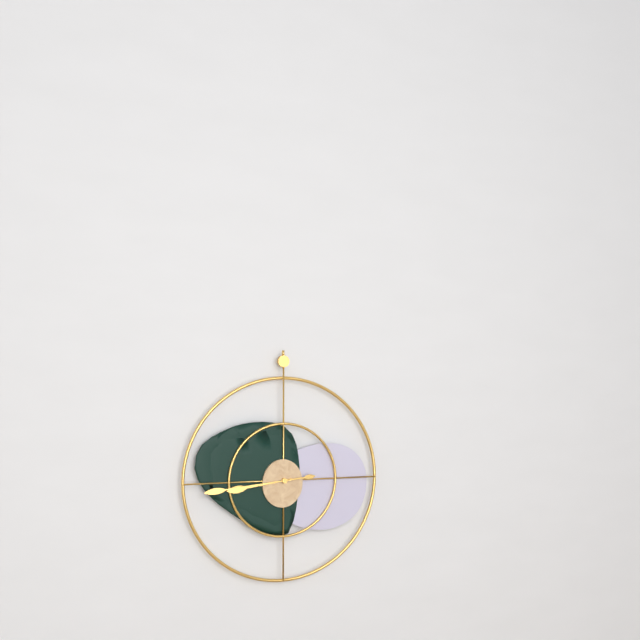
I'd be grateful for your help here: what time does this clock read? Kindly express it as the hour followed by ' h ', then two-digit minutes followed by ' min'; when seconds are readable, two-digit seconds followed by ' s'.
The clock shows 8 h 44 min
